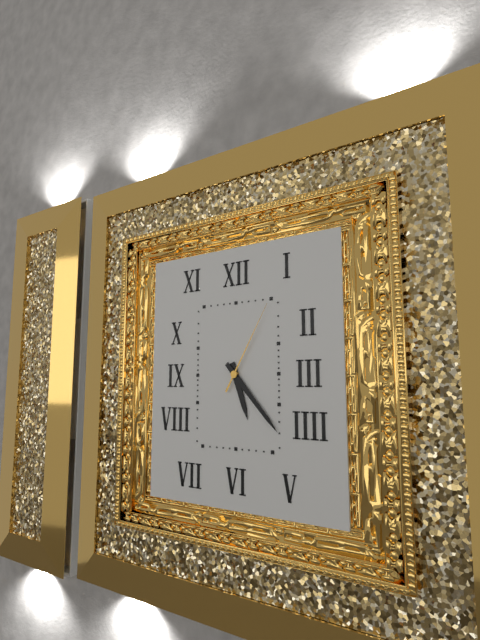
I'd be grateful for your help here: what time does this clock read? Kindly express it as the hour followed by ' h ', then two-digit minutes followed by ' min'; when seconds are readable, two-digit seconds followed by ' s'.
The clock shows 5 h 23 min 05 s
